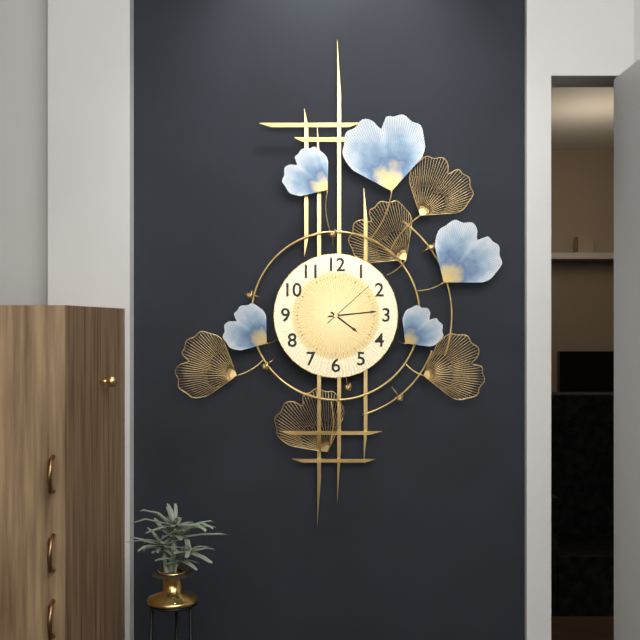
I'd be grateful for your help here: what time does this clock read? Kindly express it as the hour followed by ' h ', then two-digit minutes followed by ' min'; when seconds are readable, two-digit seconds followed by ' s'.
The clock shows 4 h 14 min 08 s
